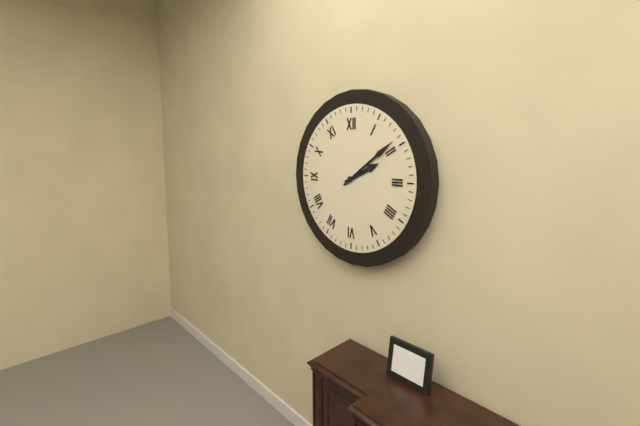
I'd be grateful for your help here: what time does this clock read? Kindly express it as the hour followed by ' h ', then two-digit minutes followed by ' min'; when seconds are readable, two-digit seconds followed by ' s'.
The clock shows 2 h 09 min
